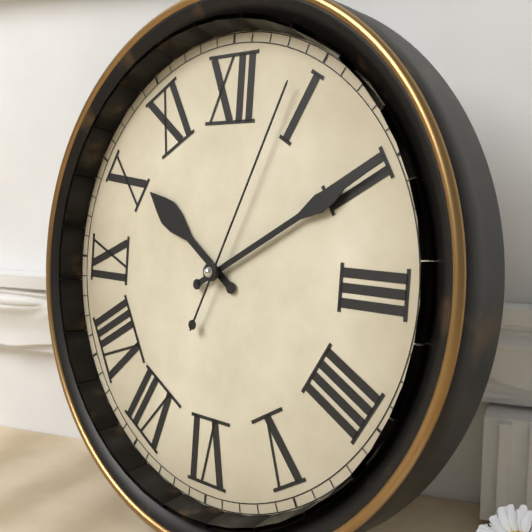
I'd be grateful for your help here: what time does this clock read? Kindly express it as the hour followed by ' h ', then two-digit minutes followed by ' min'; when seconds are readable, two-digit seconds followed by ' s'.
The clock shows 10 h 10 min 04 s
